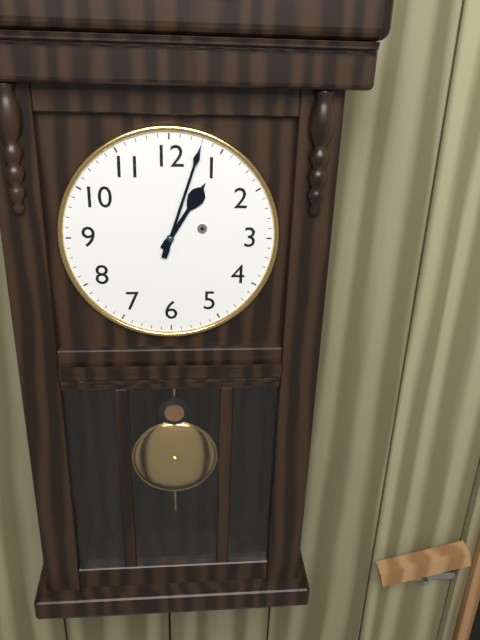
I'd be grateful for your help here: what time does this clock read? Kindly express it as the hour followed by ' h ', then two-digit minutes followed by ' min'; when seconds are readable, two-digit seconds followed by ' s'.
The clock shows 1 h 03 min
